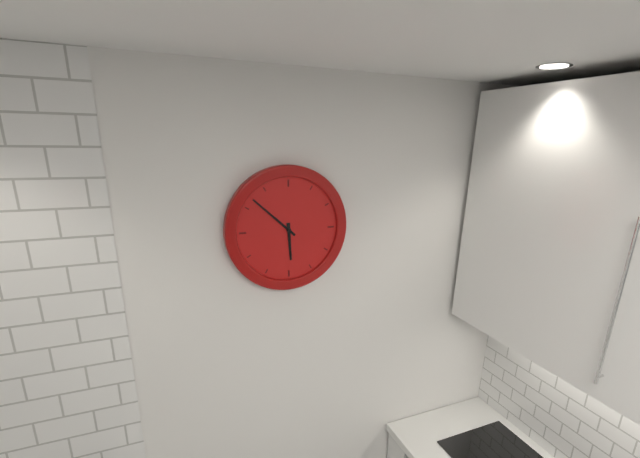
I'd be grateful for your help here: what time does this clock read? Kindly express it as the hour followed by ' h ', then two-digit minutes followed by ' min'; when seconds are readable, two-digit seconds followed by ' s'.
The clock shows 5 h 52 min
